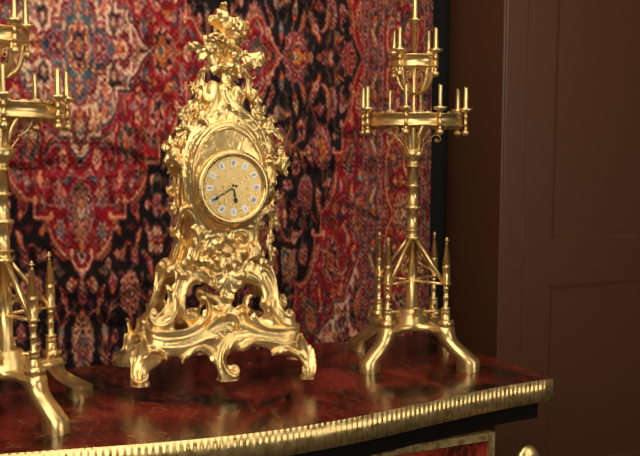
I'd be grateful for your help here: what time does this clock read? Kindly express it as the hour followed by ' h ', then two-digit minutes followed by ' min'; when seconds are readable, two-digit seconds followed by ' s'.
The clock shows 5 h 40 min
